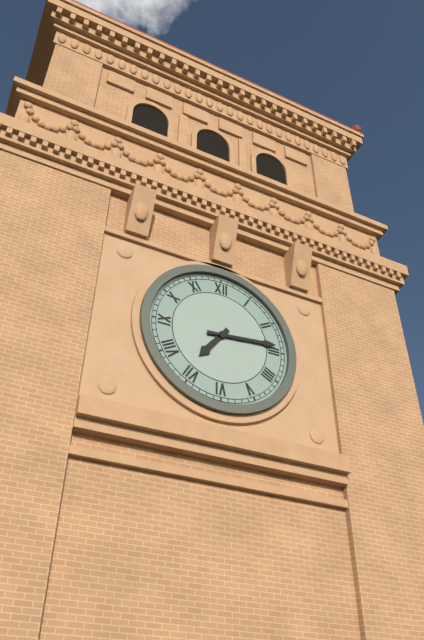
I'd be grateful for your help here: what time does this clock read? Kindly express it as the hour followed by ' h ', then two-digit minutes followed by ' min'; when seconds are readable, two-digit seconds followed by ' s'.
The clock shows 7 h 14 min
